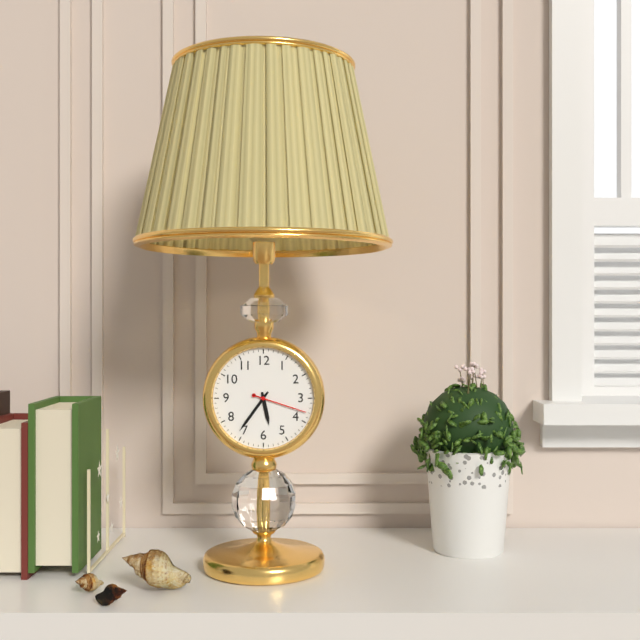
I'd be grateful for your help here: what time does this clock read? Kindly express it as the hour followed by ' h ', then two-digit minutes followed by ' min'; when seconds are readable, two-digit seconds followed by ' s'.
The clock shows 5 h 36 min 18 s
